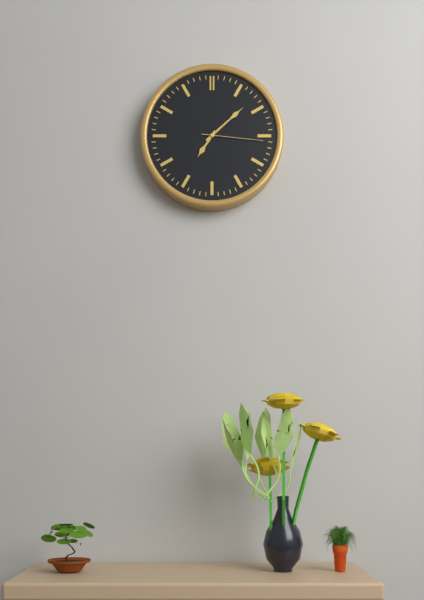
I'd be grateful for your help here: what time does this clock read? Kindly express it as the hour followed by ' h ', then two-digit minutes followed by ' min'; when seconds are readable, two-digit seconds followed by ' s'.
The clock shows 7 h 08 min 16 s
